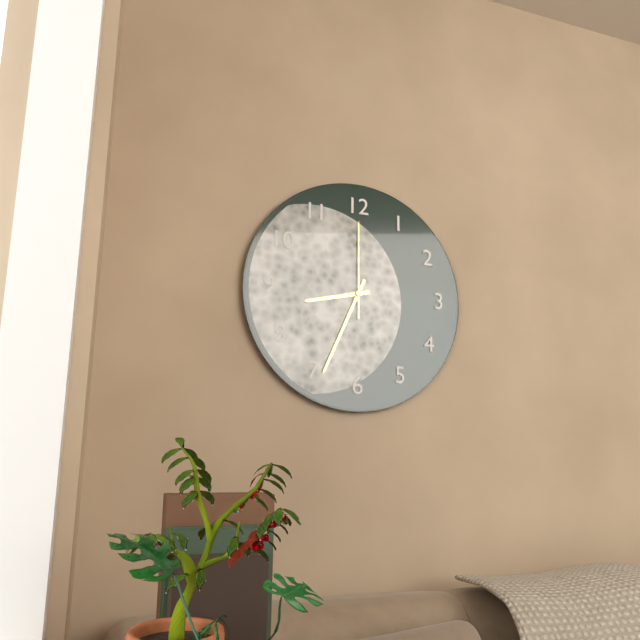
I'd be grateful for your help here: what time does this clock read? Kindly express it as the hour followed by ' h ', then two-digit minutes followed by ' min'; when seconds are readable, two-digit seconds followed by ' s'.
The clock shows 8 h 34 min 00 s
